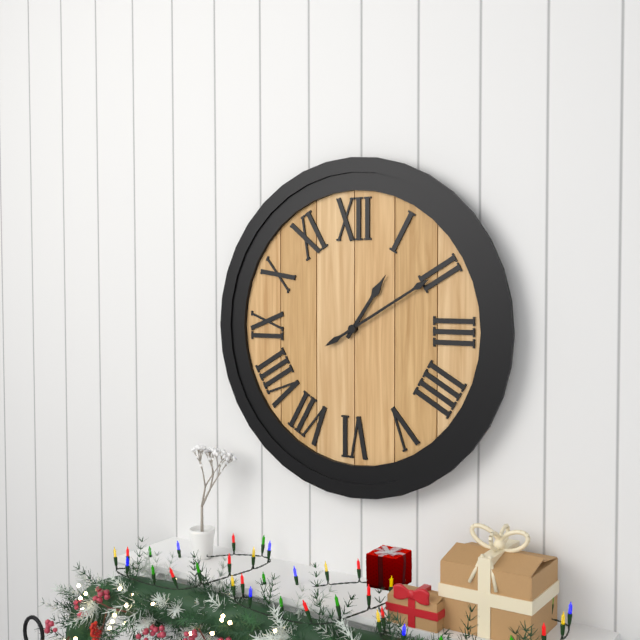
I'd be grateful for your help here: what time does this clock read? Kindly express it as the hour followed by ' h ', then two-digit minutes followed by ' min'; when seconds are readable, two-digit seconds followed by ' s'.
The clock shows 1 h 10 min
